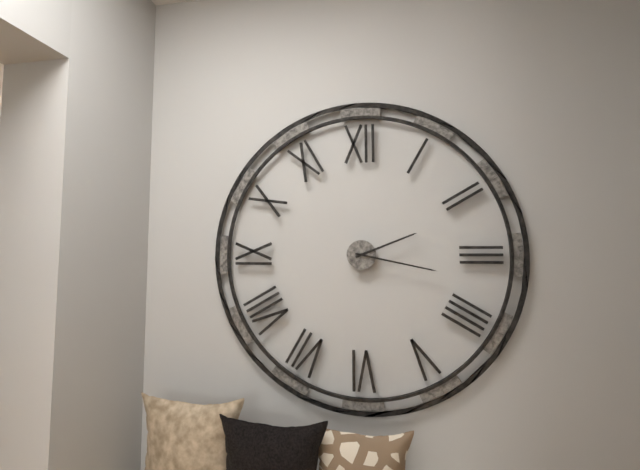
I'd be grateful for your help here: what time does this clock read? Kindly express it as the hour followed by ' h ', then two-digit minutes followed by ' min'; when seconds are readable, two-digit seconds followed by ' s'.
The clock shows 2 h 17 min
